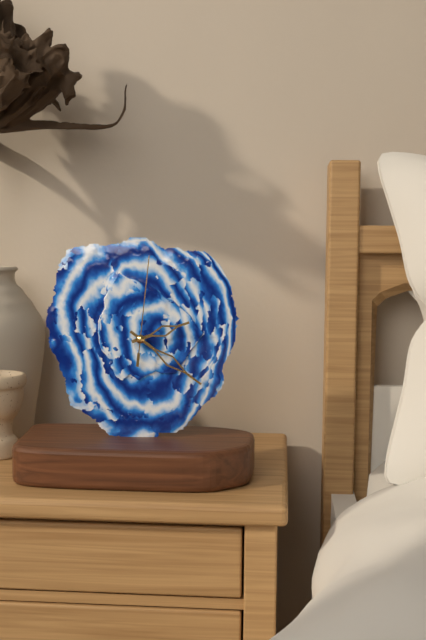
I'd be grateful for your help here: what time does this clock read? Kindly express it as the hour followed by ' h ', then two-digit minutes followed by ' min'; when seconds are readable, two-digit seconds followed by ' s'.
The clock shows 2 h 21 min 01 s
